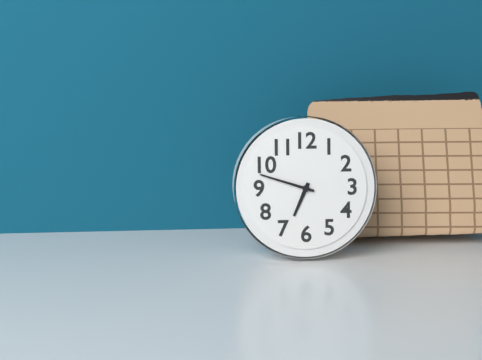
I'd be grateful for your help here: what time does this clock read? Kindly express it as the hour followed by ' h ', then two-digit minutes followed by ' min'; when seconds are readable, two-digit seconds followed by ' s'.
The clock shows 6 h 48 min
